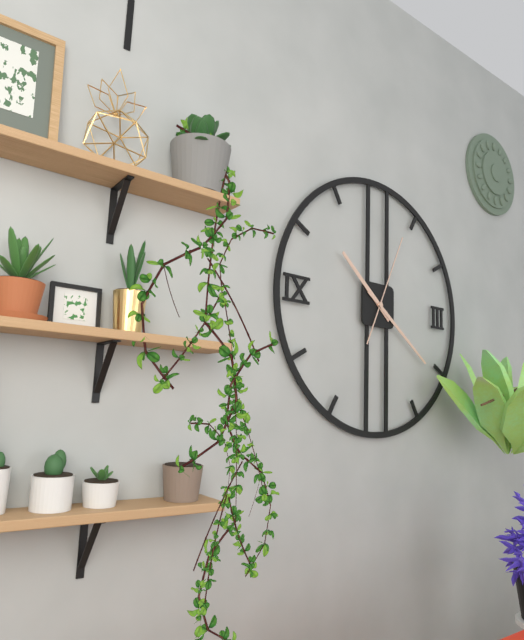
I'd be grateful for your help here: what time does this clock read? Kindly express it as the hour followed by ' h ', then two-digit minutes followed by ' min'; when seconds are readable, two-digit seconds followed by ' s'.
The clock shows 10 h 21 min 04 s
